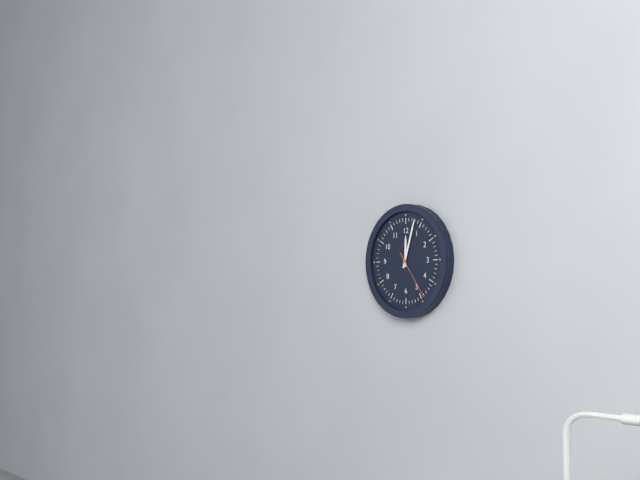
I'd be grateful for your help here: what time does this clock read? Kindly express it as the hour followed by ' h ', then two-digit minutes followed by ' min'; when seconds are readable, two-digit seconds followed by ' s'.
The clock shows 12 h 03 min 24 s
